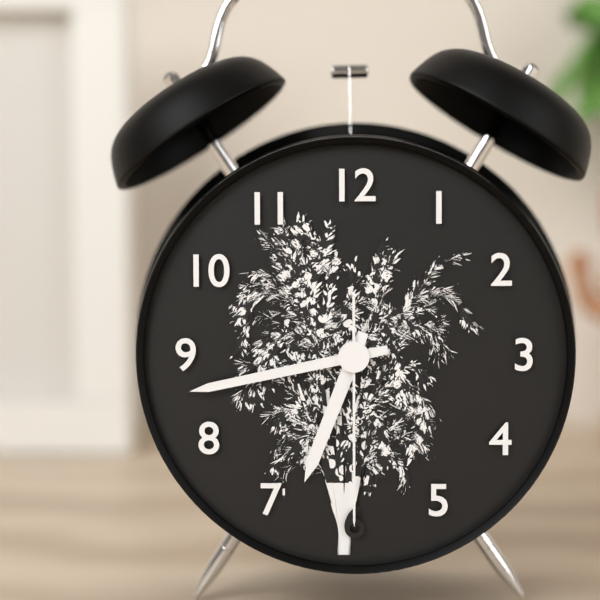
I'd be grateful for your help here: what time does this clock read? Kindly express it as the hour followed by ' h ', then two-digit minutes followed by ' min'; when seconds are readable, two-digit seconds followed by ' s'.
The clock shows 6 h 43 min 30 s
